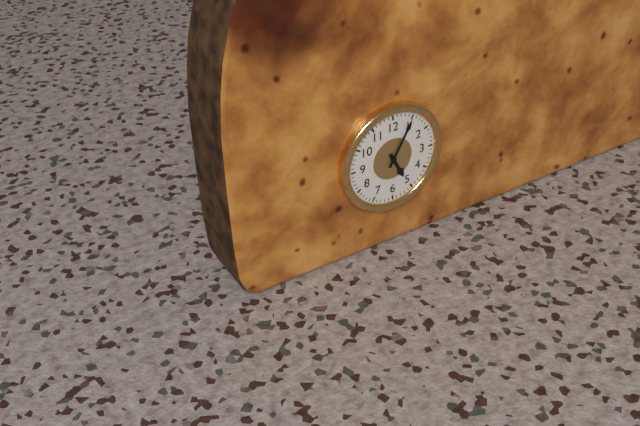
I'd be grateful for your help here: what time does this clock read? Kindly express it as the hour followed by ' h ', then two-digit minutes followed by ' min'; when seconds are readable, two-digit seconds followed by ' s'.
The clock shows 5 h 05 min
